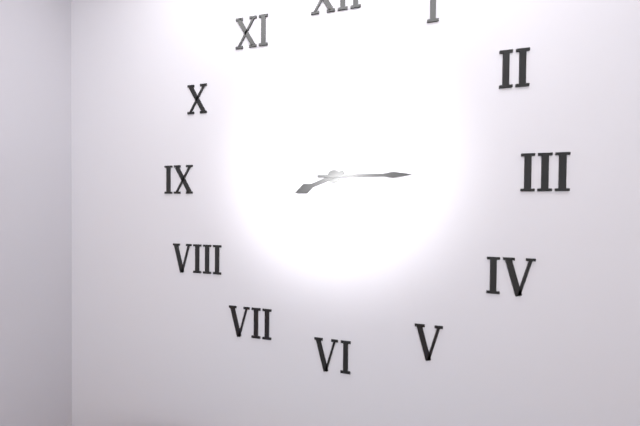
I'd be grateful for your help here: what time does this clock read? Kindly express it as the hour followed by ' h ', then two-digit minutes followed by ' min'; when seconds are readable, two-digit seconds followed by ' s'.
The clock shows 8 h 15 min
